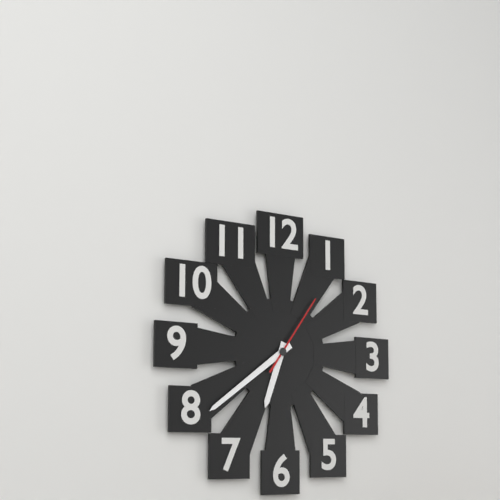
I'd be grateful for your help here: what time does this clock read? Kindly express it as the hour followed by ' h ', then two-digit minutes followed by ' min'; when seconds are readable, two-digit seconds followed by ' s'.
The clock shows 6 h 39 min 06 s
